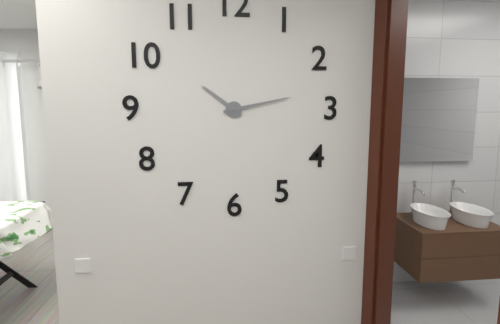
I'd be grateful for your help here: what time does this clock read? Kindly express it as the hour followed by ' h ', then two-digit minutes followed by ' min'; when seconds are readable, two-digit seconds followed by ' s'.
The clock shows 10 h 13 min
